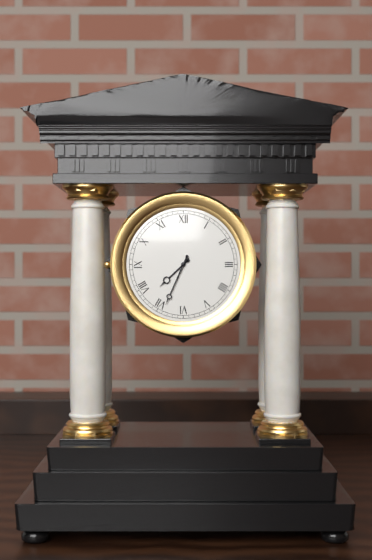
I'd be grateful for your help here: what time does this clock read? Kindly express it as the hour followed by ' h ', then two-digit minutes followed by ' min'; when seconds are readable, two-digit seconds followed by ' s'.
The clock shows 7 h 34 min
